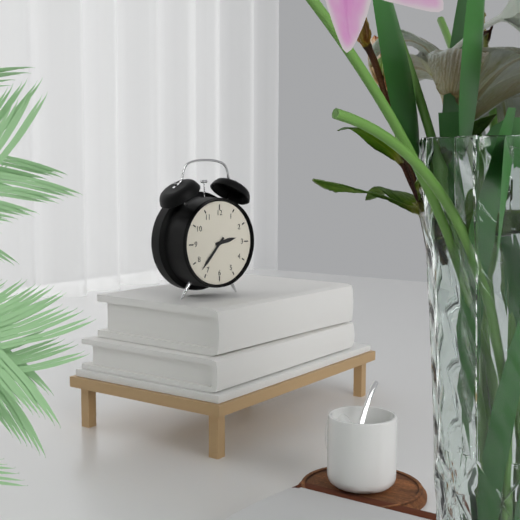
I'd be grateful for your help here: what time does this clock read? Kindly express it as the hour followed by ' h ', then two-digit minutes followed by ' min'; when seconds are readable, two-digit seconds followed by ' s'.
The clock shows 2 h 37 min
